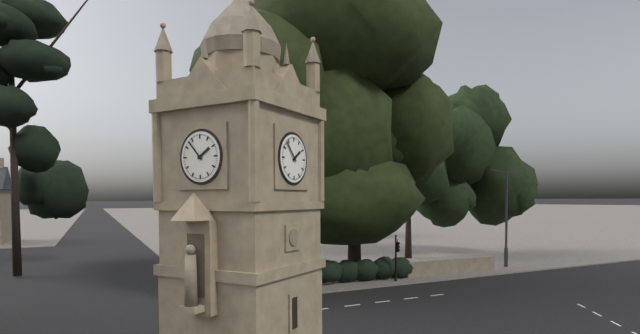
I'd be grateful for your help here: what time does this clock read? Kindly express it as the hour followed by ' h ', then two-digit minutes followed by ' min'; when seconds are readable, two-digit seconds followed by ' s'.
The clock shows 1 h 53 min
